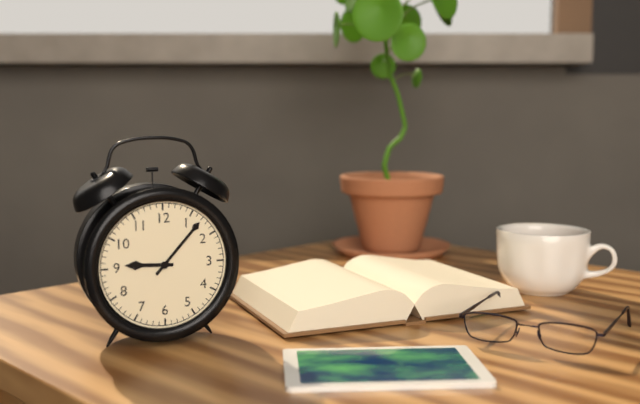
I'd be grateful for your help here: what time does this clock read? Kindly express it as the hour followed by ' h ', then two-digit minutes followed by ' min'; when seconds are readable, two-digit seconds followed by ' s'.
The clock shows 9 h 07 min
